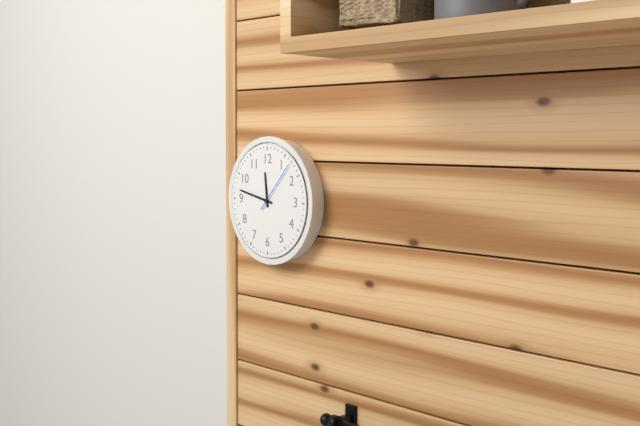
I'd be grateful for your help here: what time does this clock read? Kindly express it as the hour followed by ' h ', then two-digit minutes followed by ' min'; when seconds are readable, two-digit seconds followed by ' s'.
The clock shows 11 h 47 min 07 s
